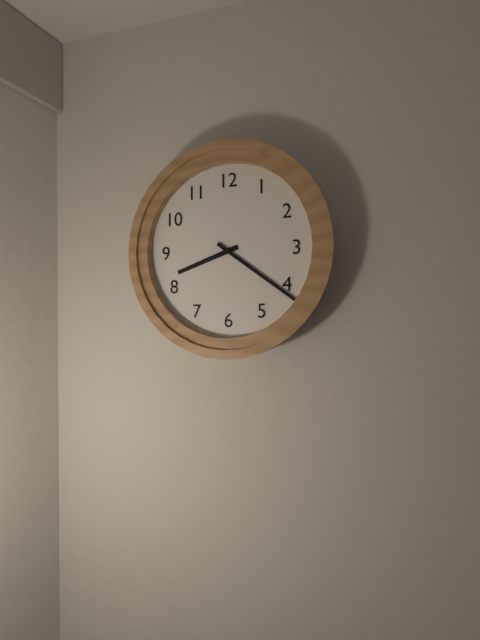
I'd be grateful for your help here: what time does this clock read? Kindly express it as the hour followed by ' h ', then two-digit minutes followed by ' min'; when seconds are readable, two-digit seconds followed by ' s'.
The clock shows 8 h 21 min
